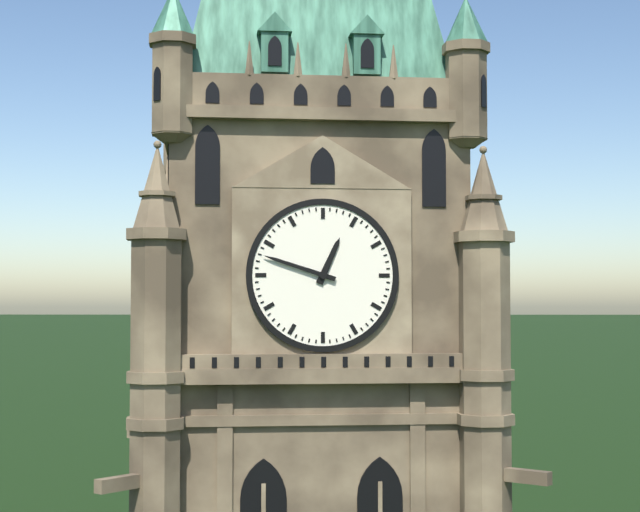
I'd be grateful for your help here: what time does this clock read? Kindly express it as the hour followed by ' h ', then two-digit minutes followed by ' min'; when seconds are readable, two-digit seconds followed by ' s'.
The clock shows 12 h 48 min
